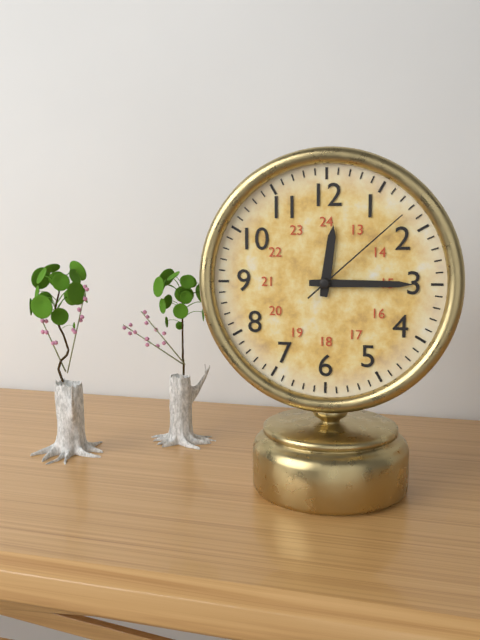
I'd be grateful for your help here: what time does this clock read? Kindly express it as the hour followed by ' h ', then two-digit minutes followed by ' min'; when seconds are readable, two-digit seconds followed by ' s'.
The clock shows 12 h 15 min 08 s
